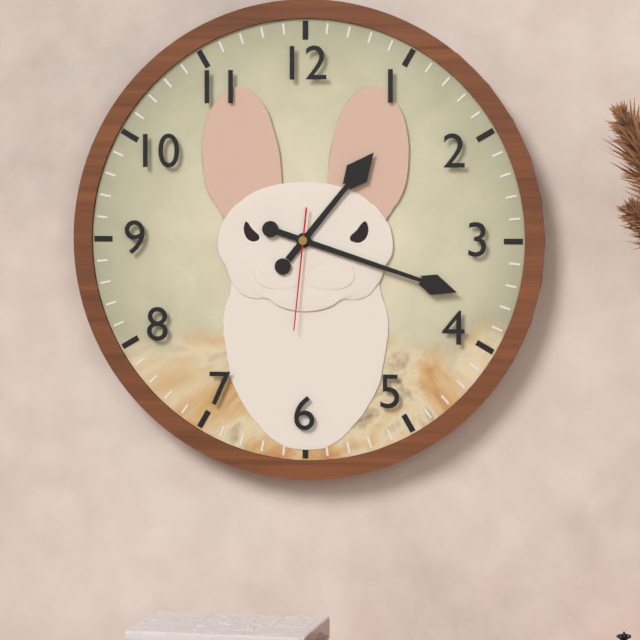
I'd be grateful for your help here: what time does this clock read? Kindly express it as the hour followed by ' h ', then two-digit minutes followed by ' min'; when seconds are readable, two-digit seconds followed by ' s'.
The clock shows 1 h 18 min 31 s
